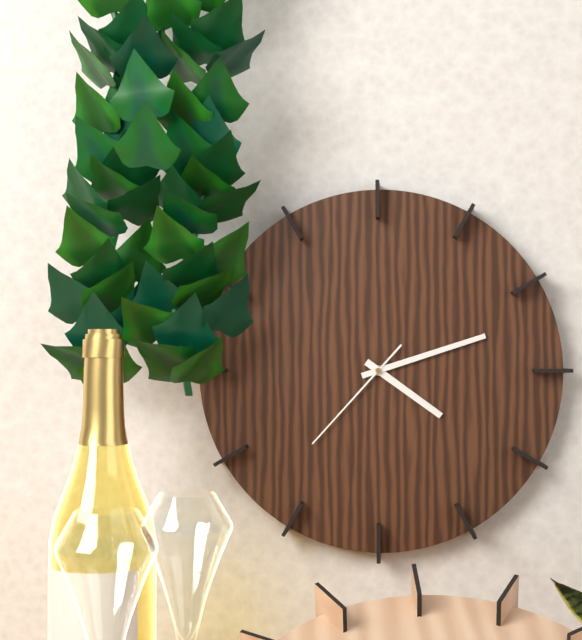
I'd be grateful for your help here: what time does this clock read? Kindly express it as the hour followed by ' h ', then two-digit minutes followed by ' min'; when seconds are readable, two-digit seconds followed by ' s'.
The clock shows 4 h 12 min 37 s
